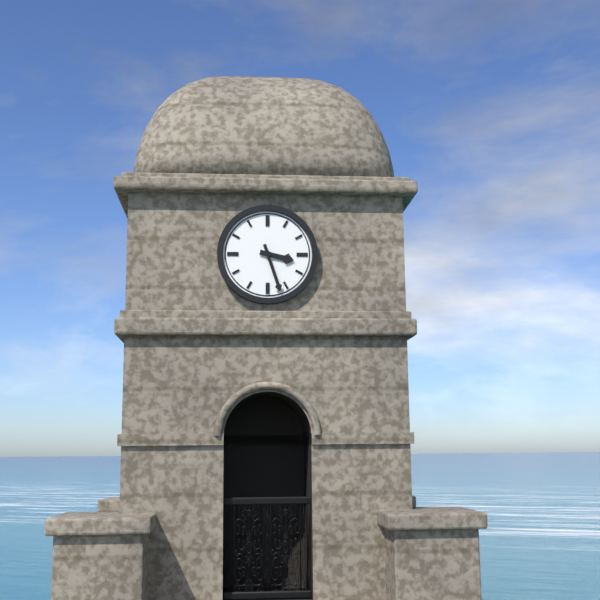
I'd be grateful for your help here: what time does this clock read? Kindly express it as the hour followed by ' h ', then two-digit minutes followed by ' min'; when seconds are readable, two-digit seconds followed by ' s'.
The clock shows 3 h 27 min
